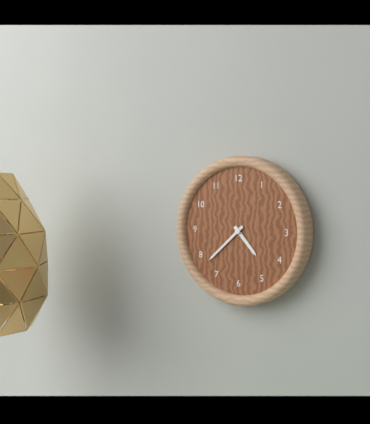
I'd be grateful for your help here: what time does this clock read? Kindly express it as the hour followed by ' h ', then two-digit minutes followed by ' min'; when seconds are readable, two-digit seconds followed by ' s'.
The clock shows 4 h 38 min
